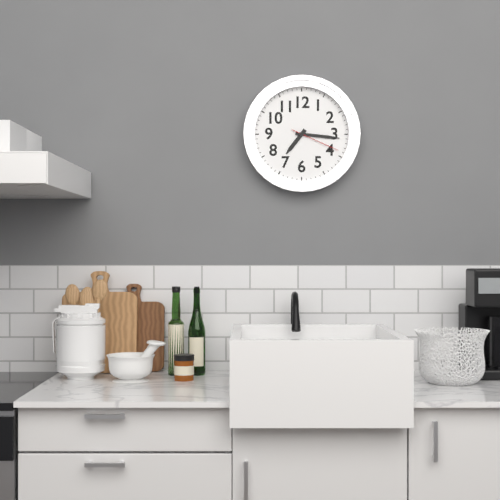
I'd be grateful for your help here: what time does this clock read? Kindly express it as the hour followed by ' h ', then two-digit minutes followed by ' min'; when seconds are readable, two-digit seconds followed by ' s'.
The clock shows 7 h 16 min 19 s
